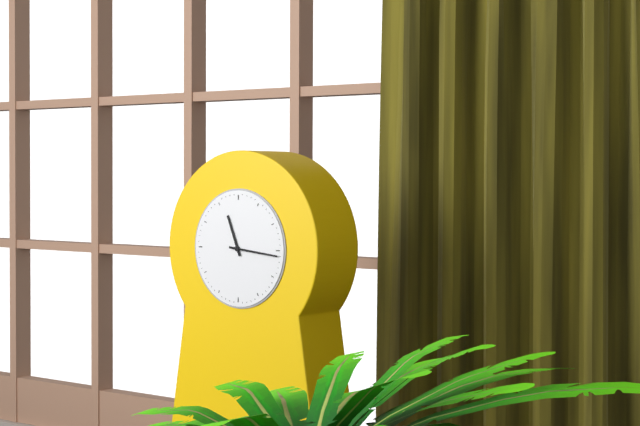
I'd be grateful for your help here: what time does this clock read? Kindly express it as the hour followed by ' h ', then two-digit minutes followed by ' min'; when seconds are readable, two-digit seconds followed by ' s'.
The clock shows 11 h 16 min
